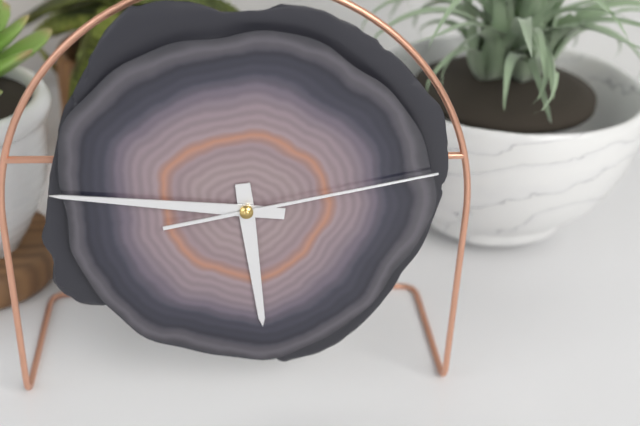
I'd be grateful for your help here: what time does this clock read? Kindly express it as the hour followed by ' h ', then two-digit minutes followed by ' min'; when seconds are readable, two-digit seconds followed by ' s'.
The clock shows 5 h 46 min 13 s
